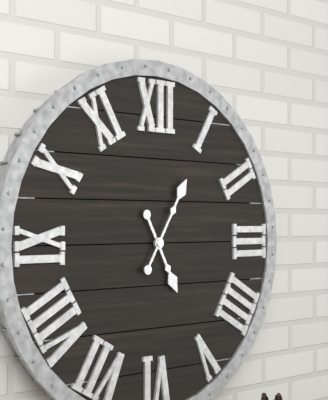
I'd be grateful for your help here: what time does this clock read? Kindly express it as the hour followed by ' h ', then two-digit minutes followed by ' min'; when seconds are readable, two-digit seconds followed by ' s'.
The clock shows 5 h 05 min
